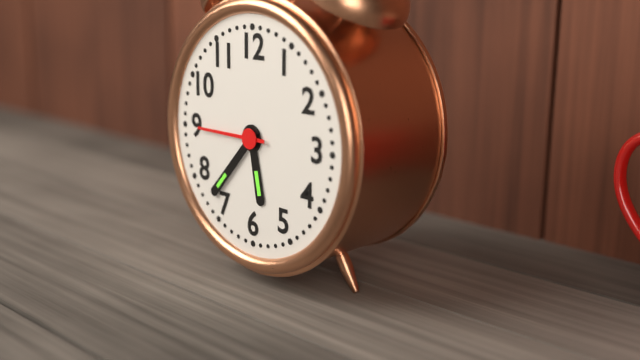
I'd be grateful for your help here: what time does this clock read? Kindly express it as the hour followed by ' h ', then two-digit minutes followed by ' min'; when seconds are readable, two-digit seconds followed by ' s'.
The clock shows 5 h 37 min 45 s
